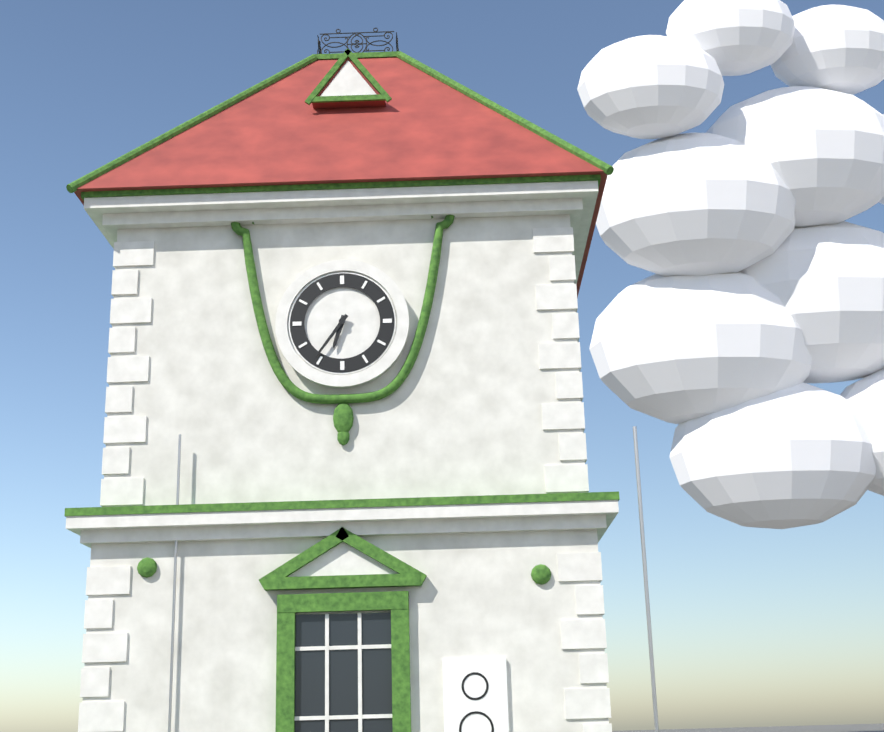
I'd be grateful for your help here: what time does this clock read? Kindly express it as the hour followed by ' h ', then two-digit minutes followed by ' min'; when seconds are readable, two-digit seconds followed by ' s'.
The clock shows 6 h 36 min
